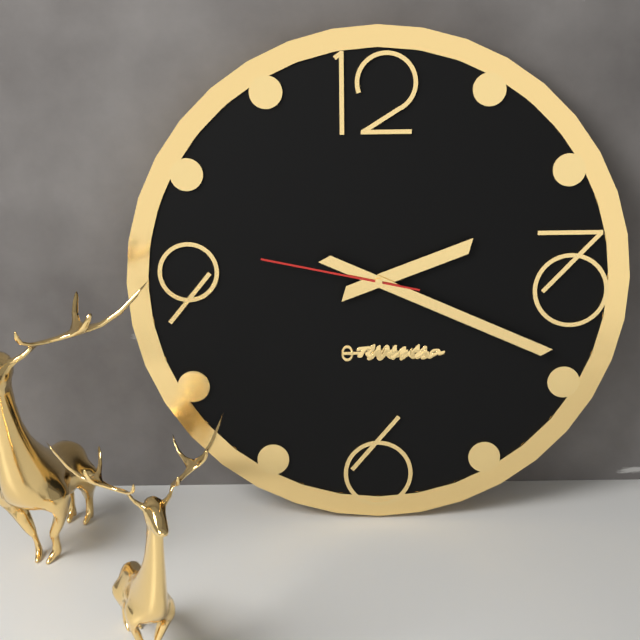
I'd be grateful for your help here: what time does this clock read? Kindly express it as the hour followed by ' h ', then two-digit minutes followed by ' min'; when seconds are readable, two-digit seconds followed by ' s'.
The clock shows 2 h 19 min 47 s
